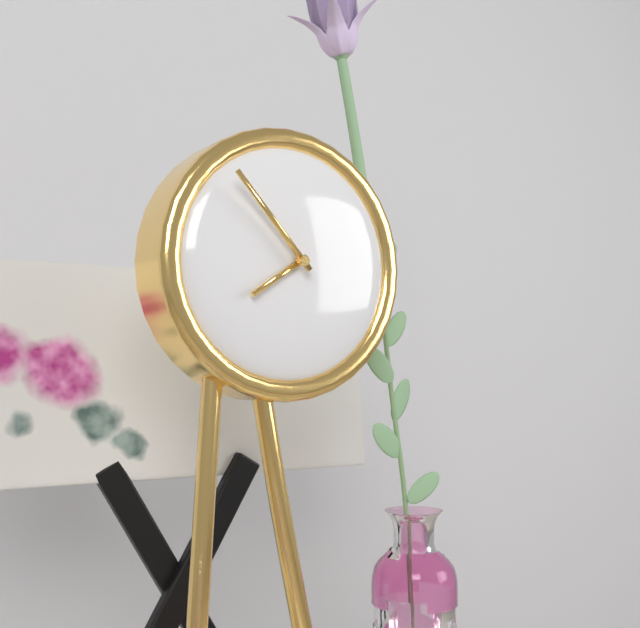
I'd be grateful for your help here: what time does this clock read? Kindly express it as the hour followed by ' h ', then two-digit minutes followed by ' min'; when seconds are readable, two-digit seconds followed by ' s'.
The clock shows 7 h 53 min
